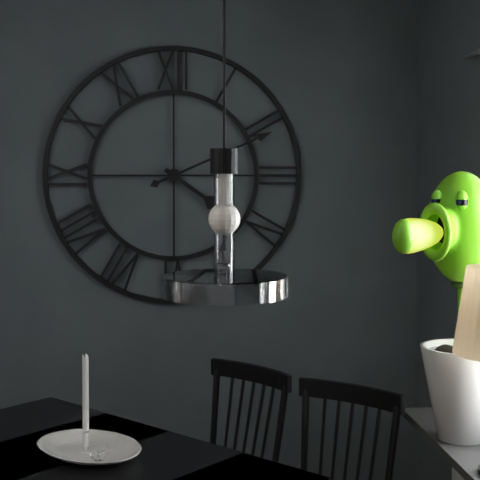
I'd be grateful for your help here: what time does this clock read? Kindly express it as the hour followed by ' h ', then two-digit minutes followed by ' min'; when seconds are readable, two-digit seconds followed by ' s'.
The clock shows 4 h 11 min
